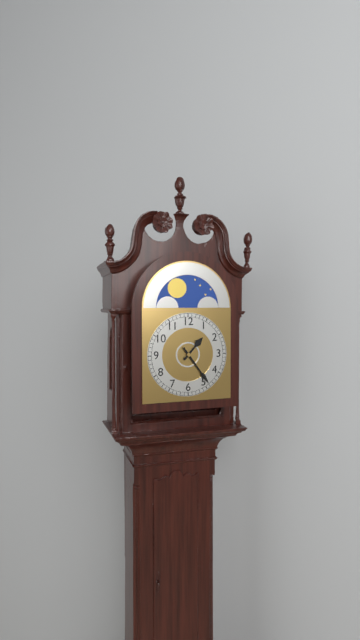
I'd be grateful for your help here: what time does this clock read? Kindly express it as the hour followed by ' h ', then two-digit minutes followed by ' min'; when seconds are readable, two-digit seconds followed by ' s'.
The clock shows 1 h 24 min
